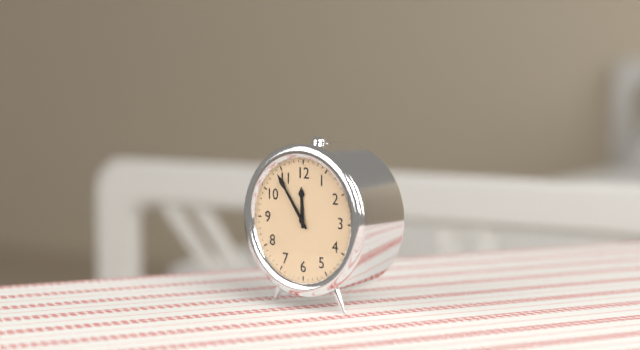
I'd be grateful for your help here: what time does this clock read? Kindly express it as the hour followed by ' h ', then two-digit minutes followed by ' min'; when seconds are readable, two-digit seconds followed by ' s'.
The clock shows 11 h 54 min
